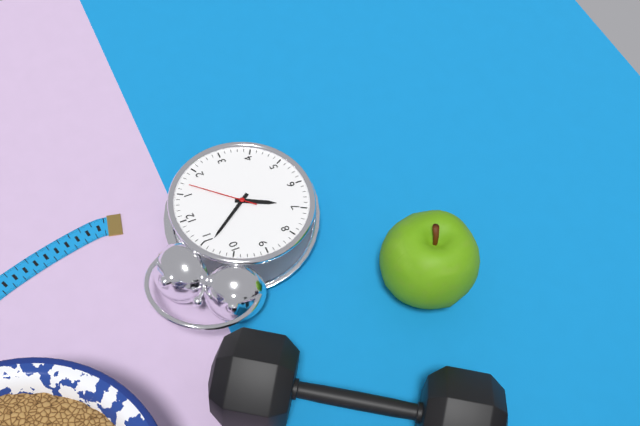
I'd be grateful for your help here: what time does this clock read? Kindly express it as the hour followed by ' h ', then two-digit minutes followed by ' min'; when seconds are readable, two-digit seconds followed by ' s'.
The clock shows 6 h 54 min 07 s
